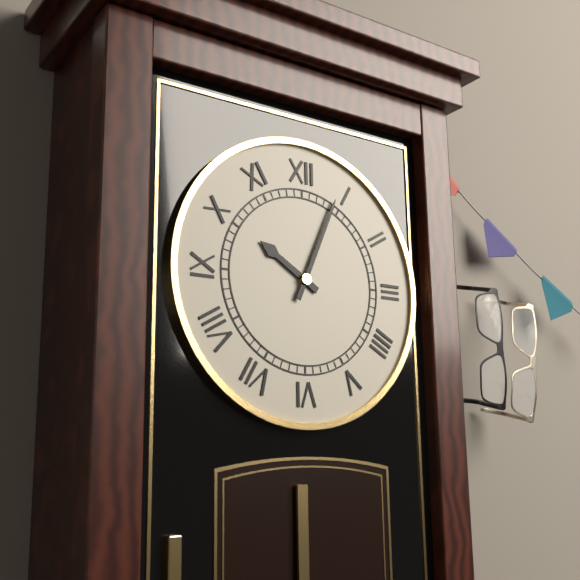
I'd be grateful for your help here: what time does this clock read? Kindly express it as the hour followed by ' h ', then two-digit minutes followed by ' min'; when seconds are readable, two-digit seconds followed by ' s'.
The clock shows 10 h 04 min
